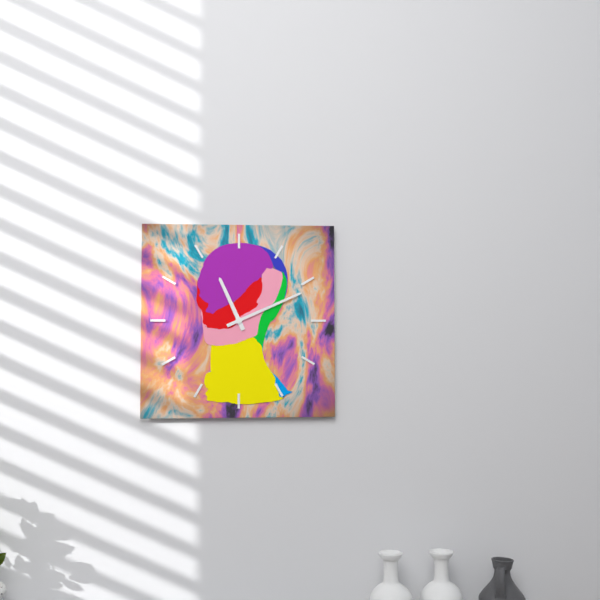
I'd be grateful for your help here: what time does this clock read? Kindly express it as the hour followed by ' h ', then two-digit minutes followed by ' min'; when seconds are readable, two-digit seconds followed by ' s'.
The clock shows 11 h 11 min
